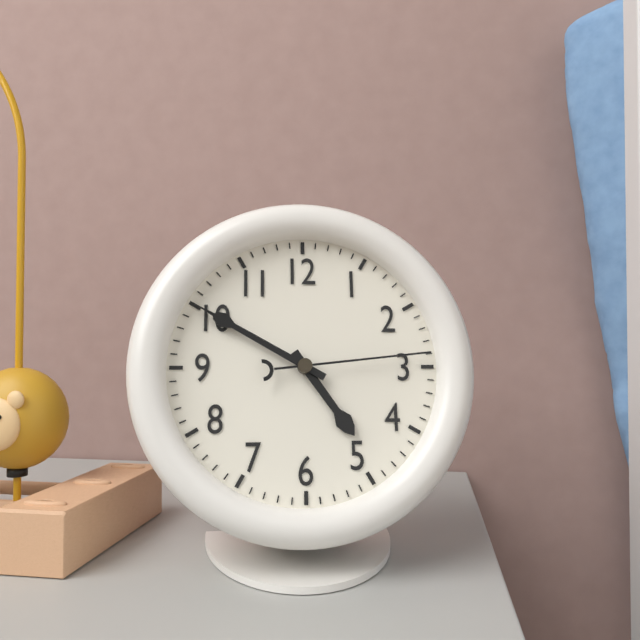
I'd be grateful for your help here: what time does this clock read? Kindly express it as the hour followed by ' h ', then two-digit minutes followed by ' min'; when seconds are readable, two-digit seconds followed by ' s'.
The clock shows 4 h 50 min 14 s
